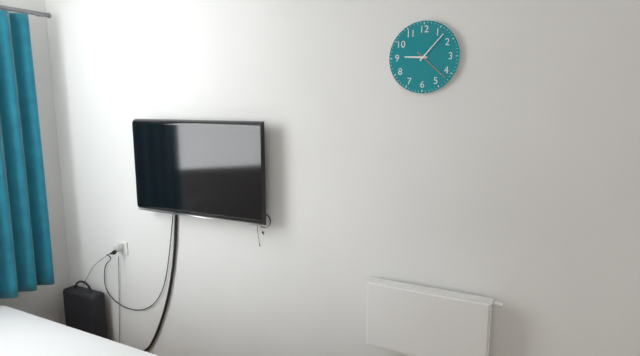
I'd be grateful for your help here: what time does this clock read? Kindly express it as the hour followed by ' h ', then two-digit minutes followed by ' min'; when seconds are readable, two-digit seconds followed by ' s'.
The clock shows 9 h 07 min
